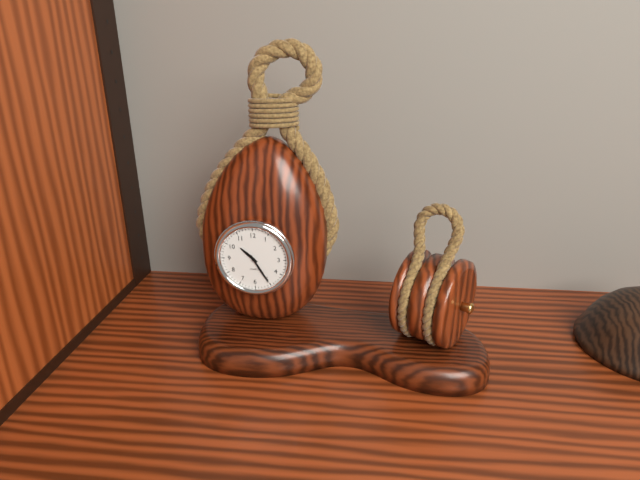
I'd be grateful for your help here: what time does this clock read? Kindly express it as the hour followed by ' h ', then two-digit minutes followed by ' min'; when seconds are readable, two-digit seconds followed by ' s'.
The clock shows 10 h 25 min
